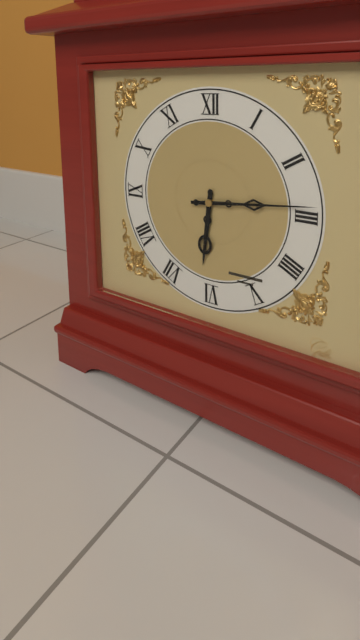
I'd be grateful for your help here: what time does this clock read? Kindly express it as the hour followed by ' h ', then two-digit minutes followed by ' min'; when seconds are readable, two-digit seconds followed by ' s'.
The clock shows 6 h 14 min
